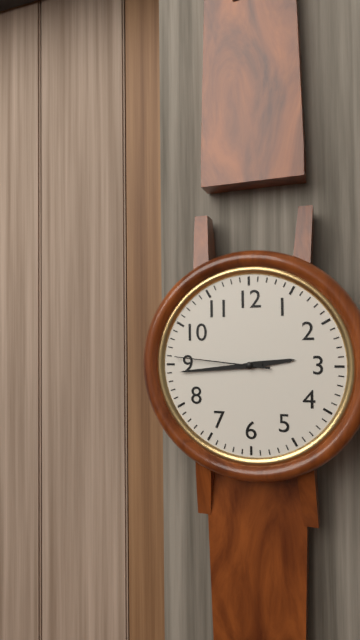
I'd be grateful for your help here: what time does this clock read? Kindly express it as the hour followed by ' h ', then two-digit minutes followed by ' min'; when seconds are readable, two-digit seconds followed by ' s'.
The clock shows 2 h 44 min 46 s
